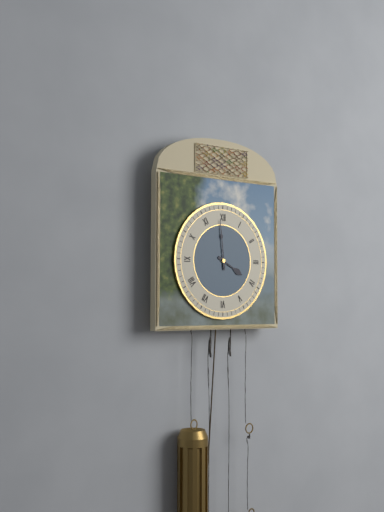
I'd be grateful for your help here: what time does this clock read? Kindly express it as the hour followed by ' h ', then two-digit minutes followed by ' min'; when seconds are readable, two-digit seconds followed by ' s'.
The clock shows 3 h 59 min
